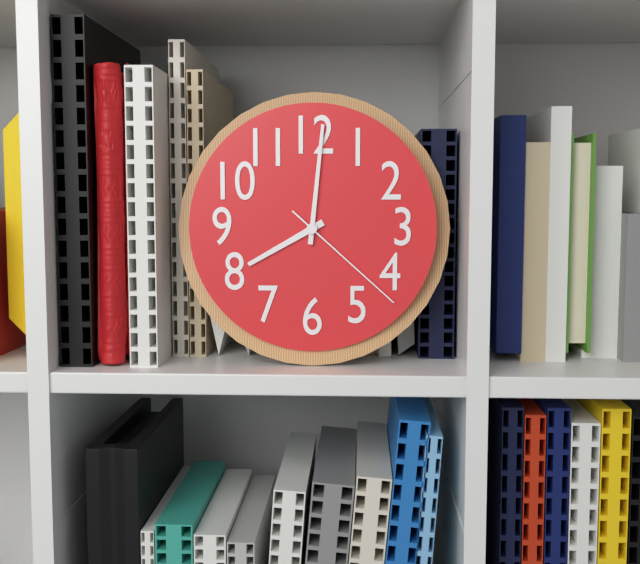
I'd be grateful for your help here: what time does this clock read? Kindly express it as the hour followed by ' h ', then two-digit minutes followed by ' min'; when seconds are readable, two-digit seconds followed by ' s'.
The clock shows 8 h 01 min 22 s
